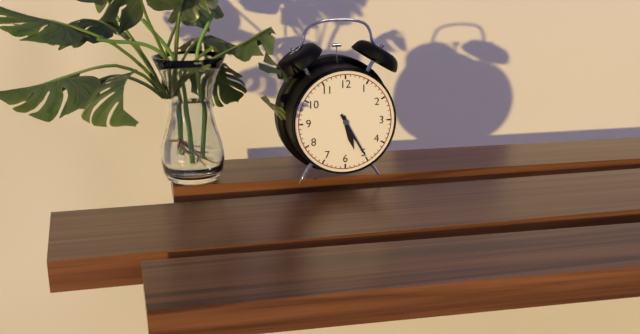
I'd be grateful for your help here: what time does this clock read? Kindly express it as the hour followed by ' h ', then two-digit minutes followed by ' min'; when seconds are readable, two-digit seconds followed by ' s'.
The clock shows 5 h 25 min
